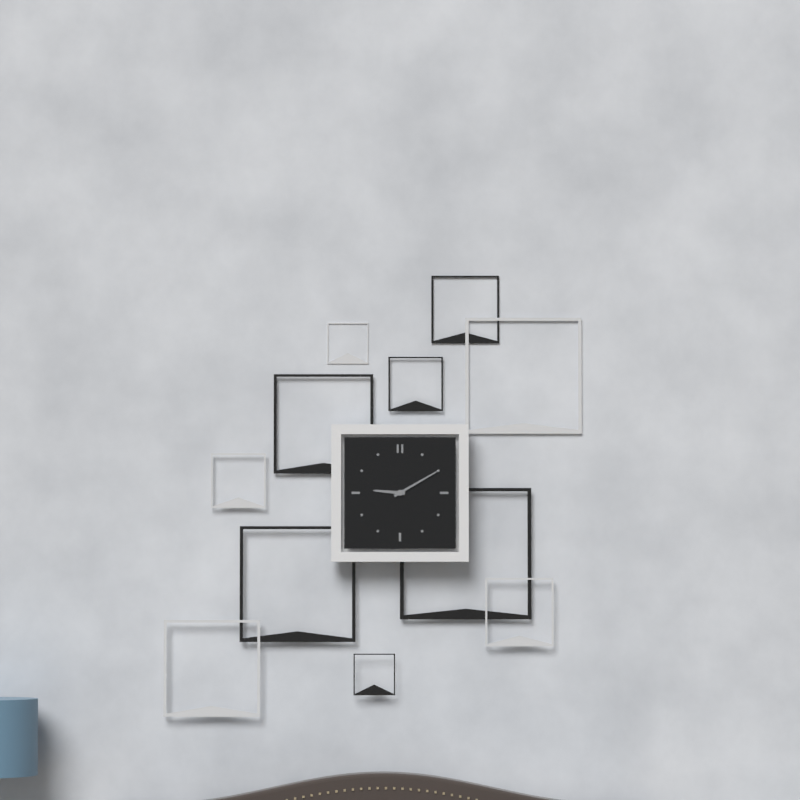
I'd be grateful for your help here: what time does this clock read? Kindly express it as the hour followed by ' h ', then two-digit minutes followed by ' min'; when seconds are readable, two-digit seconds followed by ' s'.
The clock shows 9 h 10 min
